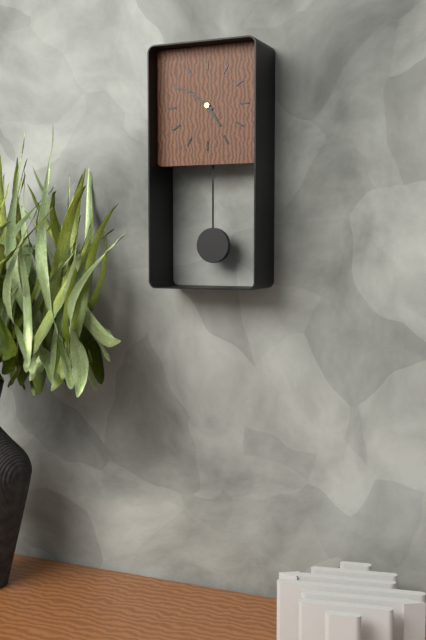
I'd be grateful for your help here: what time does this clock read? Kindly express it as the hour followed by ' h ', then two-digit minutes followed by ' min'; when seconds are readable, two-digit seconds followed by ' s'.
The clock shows 4 h 51 min
